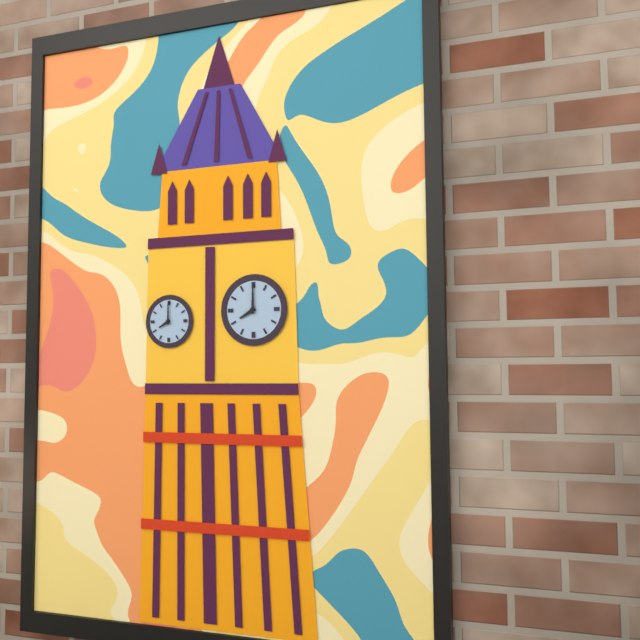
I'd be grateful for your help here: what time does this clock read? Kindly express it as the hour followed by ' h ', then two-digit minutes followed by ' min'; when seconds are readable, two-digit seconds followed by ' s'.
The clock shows 8 h 00 min
